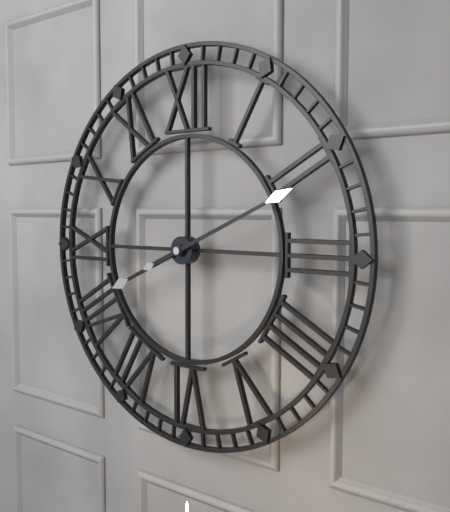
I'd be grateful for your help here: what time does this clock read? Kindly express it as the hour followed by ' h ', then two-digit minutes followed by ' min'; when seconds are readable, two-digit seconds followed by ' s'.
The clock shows 8 h 11 min
